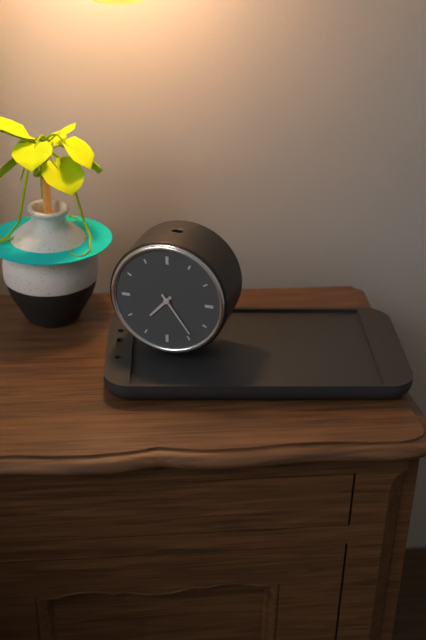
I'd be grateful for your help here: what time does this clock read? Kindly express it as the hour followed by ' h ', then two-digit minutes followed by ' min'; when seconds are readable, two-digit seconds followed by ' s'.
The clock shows 7 h 24 min
